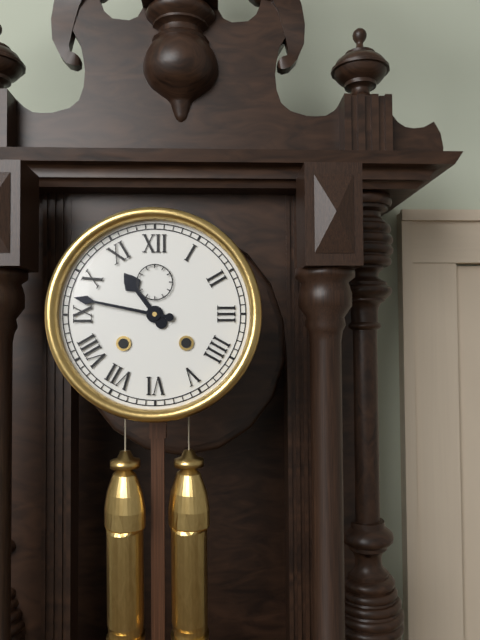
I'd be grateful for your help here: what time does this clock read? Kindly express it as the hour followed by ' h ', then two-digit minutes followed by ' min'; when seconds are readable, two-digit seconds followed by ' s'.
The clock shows 10 h 47 min
